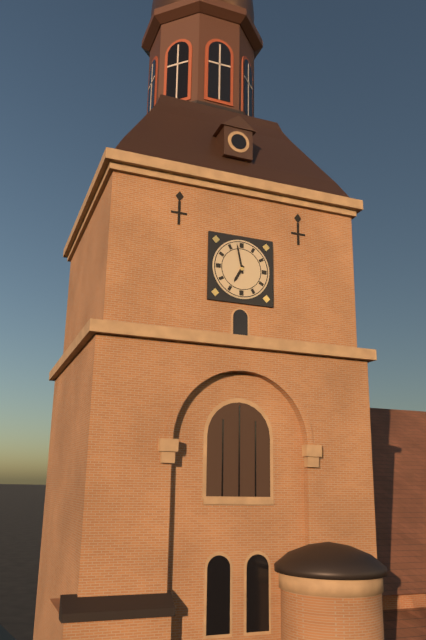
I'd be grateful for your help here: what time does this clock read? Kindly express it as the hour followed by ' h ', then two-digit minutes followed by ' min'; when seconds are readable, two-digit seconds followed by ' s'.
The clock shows 6 h 58 min
